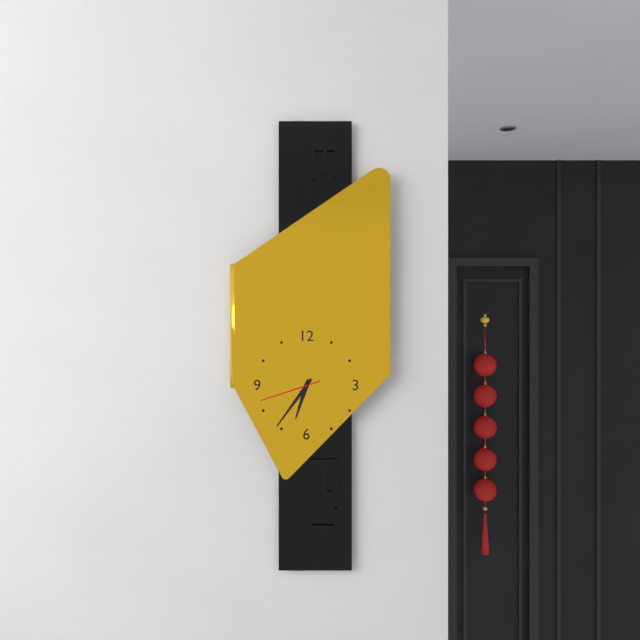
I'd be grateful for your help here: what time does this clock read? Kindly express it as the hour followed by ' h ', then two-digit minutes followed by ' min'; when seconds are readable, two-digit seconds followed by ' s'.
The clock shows 6 h 36 min 42 s
